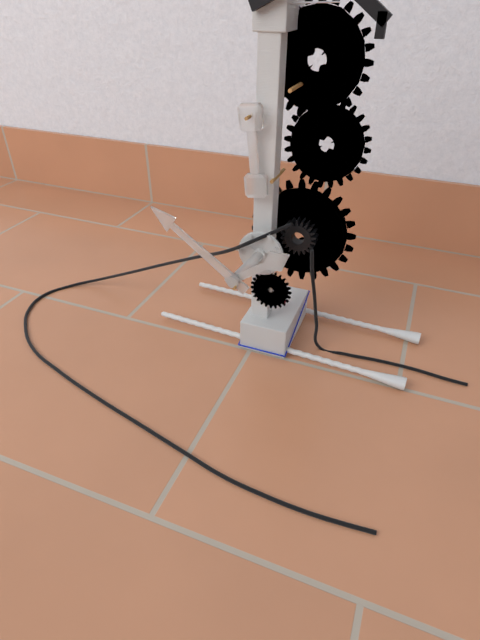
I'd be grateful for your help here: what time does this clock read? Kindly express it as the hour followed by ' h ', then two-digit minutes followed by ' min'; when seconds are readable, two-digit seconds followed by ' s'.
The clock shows 1 h 51 min
